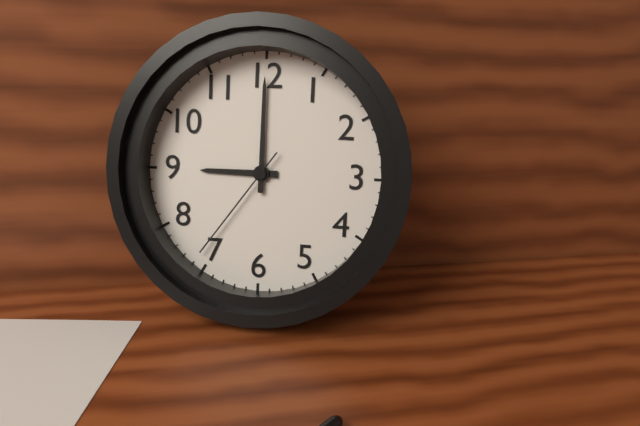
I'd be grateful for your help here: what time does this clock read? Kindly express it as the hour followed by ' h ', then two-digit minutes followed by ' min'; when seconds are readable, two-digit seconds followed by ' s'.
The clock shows 9 h 00 min 36 s
